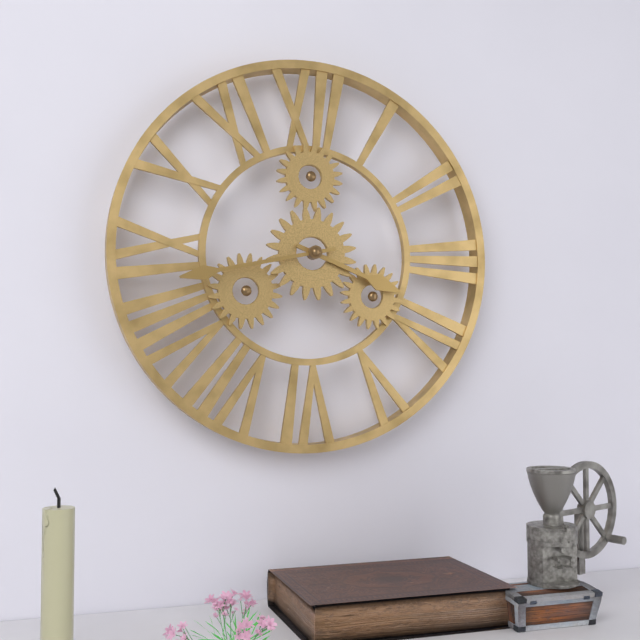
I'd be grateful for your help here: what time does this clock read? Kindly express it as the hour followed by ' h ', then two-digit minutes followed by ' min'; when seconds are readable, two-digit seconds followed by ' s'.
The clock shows 3 h 43 min
